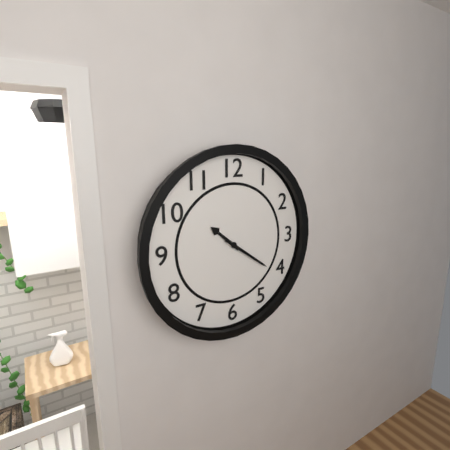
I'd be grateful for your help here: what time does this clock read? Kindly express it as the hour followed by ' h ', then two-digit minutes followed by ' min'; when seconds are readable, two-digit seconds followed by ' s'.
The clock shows 10 h 21 min
